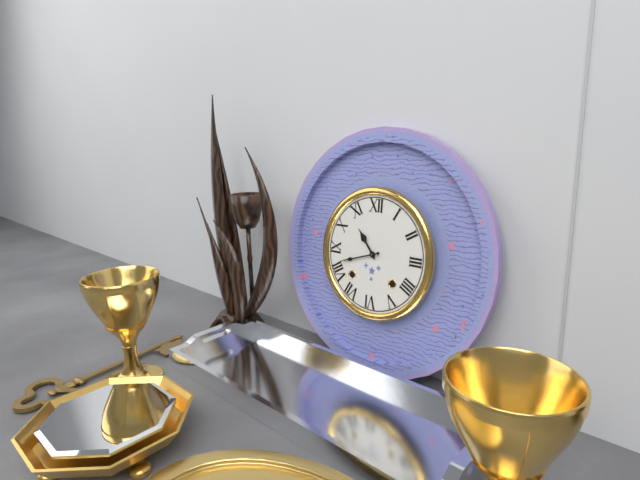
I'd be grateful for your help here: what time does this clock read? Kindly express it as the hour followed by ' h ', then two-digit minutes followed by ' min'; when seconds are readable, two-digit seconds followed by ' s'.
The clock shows 10 h 42 min
